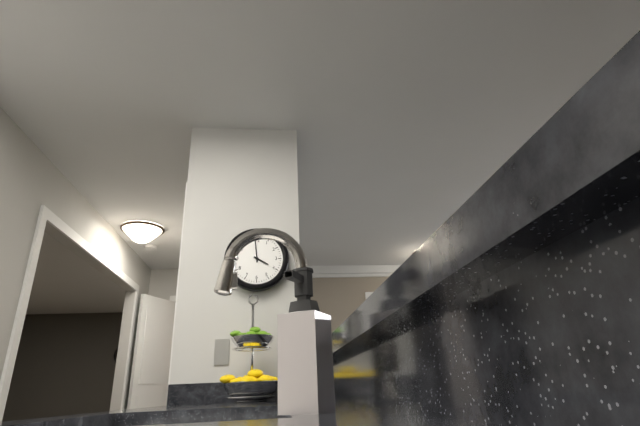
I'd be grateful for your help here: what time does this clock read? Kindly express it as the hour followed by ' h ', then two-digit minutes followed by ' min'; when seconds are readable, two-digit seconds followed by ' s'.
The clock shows 3 h 59 min
